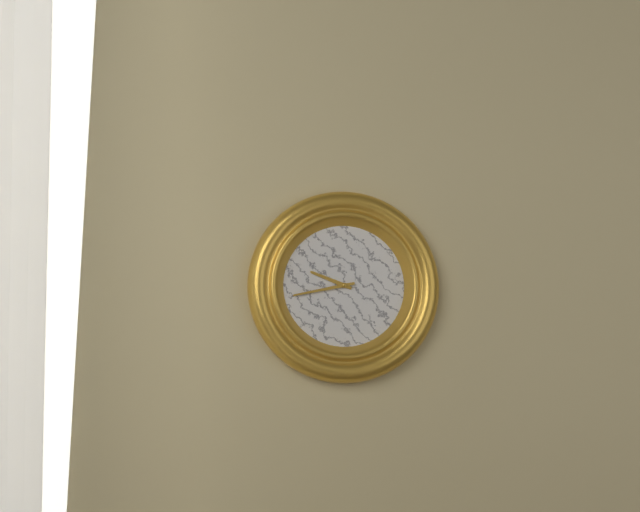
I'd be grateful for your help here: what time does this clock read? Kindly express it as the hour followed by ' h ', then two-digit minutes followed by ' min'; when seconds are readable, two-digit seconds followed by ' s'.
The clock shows 9 h 43 min
